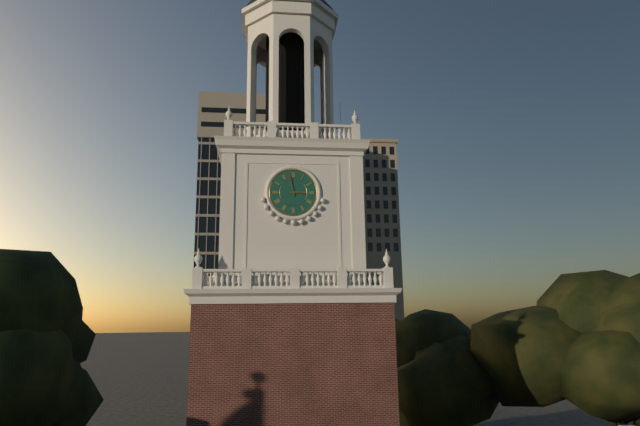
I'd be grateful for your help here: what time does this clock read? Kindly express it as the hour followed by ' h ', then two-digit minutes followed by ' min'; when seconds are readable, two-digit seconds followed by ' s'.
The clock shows 2 h 58 min
